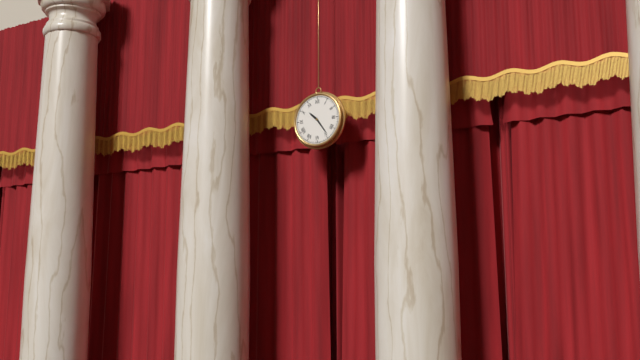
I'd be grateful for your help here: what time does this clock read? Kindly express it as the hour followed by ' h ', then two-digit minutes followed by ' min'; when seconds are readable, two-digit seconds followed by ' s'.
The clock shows 10 h 24 min
